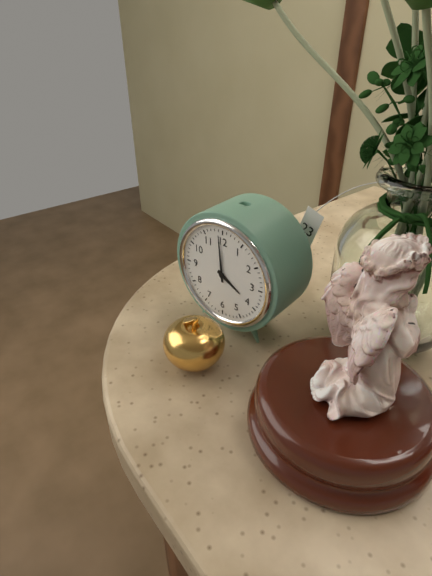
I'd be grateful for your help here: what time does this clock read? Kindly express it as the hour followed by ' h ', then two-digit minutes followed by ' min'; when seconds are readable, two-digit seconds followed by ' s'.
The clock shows 3 h 59 min
